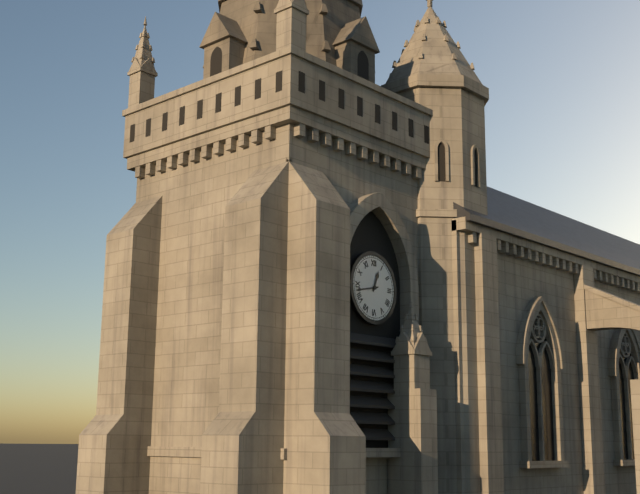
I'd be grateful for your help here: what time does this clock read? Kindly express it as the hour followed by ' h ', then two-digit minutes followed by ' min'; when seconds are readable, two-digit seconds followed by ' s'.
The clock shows 12 h 43 min
